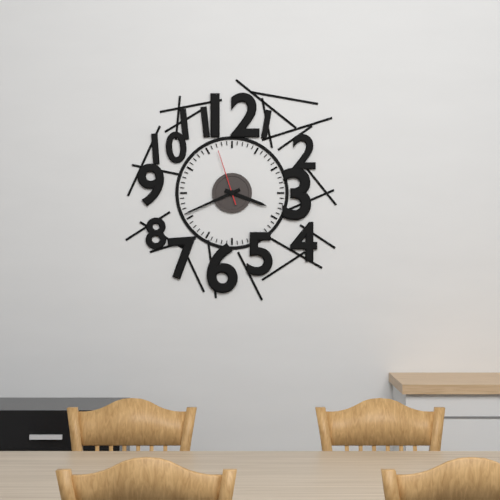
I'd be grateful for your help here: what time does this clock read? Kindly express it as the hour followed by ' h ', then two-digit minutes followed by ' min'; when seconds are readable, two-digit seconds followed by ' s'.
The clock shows 3 h 41 min 57 s
